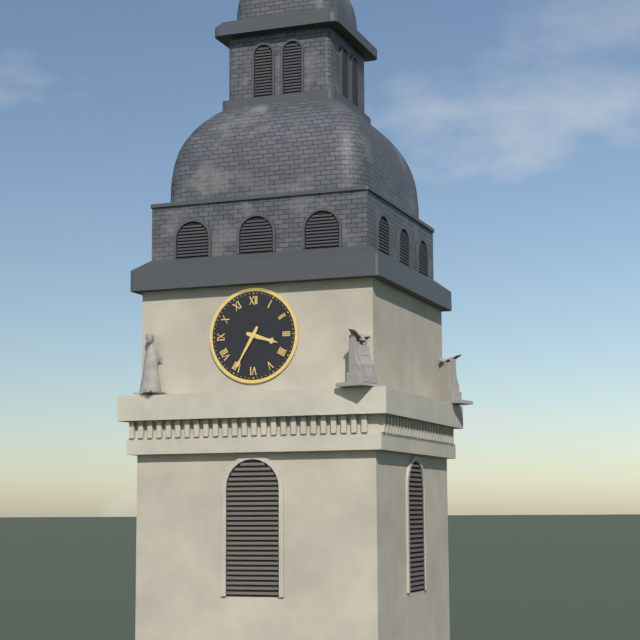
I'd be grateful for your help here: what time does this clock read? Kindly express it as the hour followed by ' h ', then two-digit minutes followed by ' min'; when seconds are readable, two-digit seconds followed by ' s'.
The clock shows 3 h 35 min
